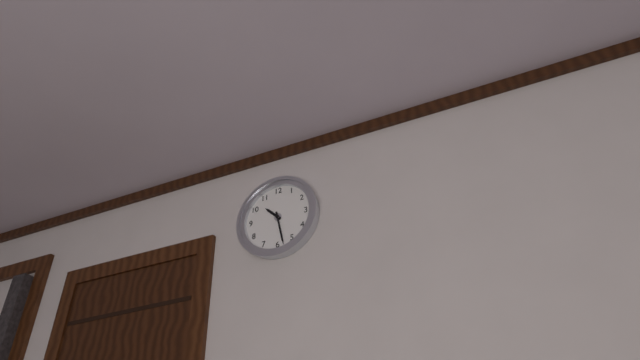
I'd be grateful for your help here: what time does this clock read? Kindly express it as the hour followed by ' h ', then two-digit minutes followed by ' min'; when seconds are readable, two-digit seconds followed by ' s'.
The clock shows 10 h 28 min
